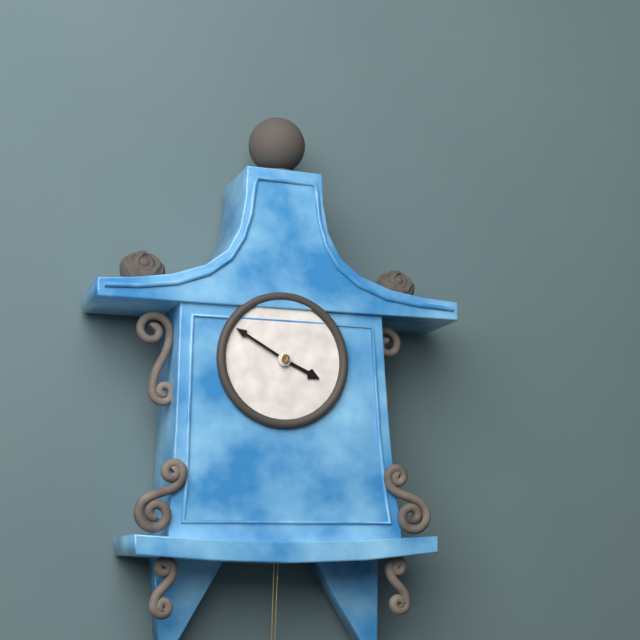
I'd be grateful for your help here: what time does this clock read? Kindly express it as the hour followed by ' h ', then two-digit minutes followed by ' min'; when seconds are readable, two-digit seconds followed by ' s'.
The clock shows 3 h 50 min
